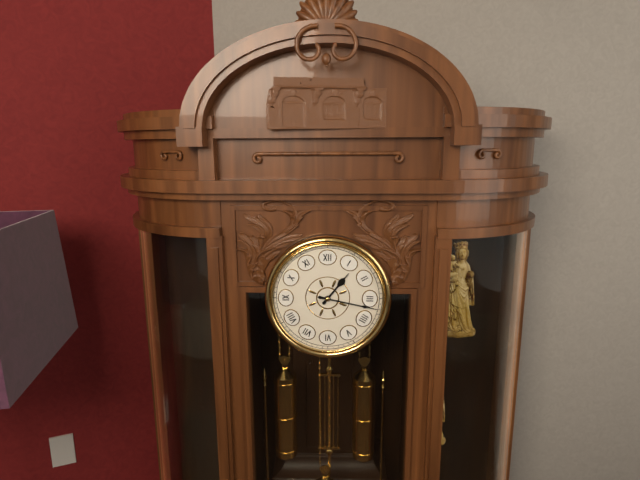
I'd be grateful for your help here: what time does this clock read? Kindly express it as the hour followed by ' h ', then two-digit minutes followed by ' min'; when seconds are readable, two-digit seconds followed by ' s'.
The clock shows 1 h 17 min
